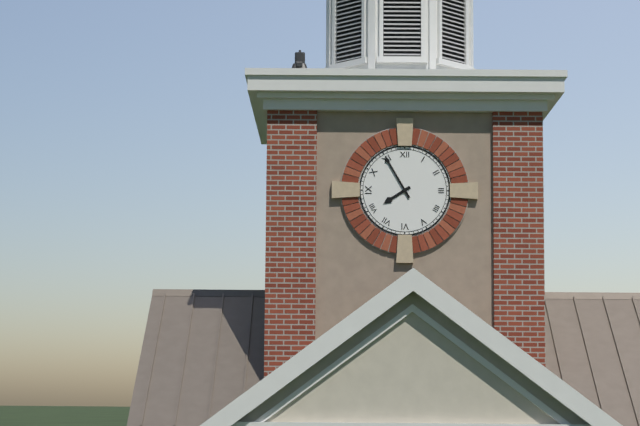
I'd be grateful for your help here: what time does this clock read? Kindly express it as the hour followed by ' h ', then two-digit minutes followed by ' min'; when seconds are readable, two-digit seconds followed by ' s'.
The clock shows 7 h 55 min
